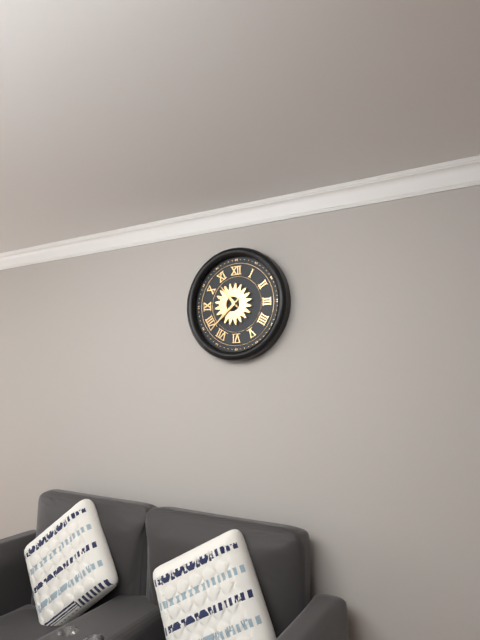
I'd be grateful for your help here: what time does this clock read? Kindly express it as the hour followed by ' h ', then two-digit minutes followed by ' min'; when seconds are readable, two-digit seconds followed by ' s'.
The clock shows 10 h 38 min
